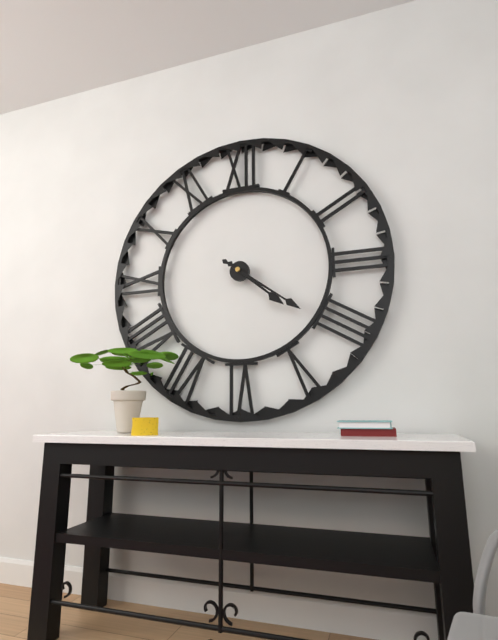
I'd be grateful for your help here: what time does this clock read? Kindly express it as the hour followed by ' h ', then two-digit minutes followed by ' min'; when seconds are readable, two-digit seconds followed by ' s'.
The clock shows 4 h 21 min
